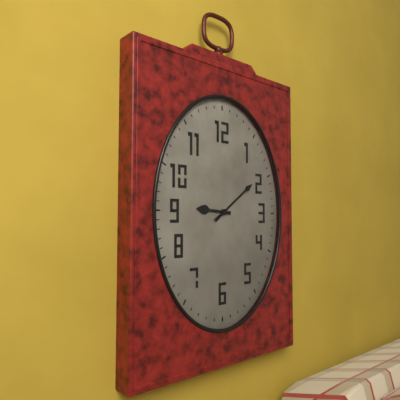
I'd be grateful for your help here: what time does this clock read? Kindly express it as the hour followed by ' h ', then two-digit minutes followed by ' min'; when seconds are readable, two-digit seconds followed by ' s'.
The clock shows 9 h 09 min
